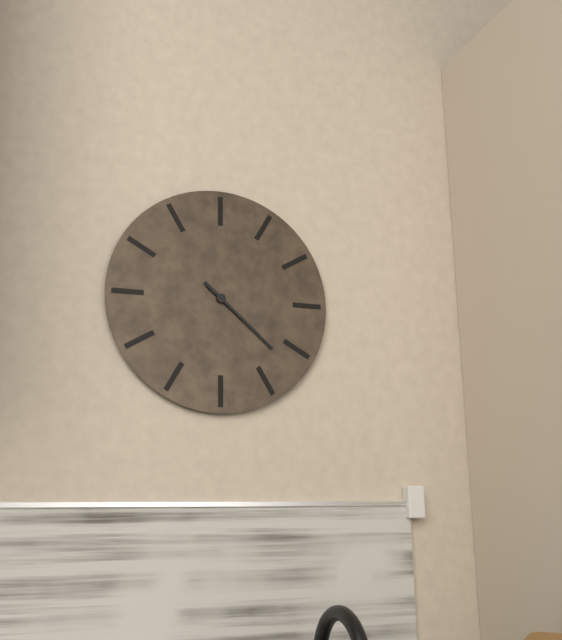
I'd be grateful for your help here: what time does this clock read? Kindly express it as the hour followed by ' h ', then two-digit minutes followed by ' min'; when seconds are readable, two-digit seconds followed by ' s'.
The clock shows 4 h 22 min
